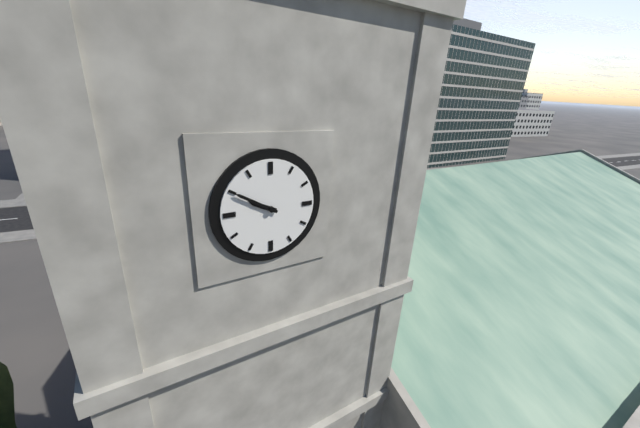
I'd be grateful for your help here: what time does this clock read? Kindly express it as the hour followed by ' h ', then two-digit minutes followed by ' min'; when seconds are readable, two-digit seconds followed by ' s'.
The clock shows 9 h 50 min
